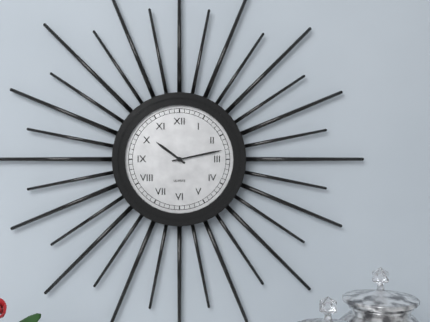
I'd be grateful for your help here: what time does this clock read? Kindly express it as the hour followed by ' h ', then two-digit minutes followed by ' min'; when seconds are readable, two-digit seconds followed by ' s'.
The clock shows 10 h 13 min
